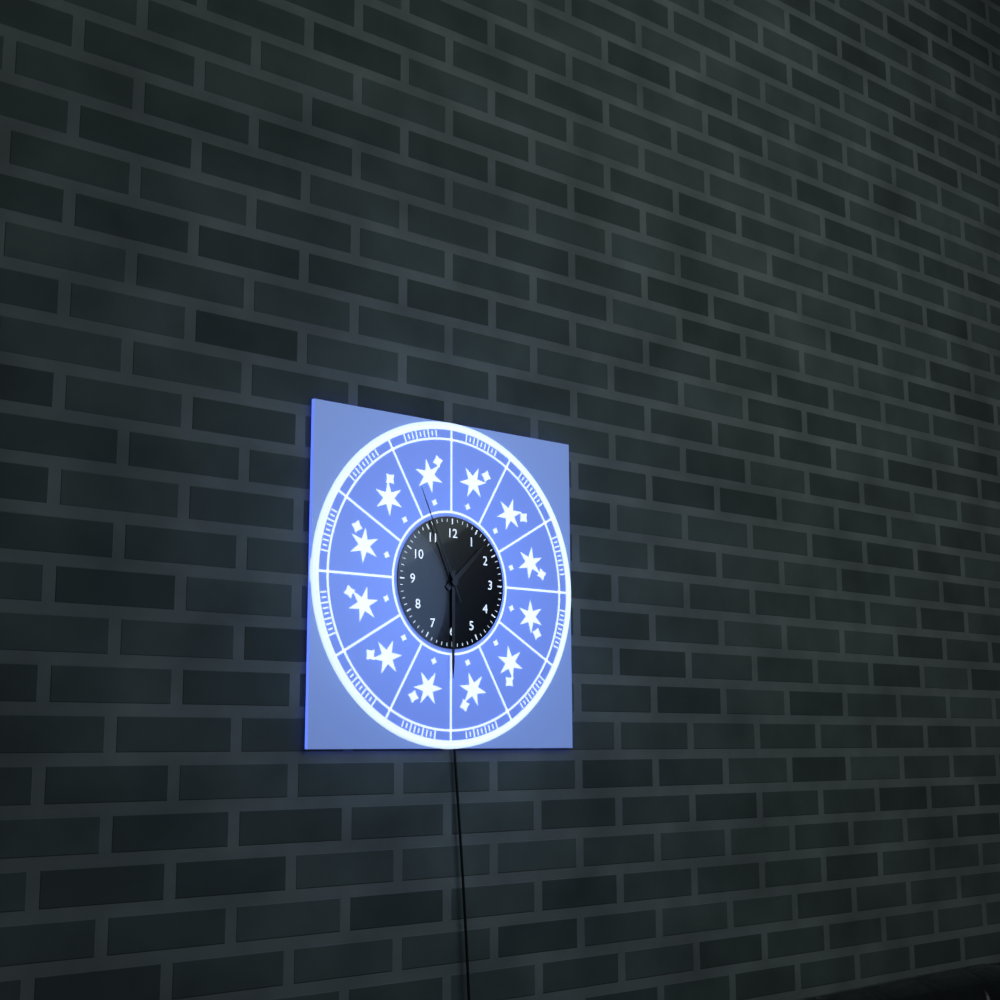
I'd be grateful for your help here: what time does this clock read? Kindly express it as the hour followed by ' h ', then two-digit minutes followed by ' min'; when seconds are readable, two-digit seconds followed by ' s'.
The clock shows 1 h 30 min 56 s
